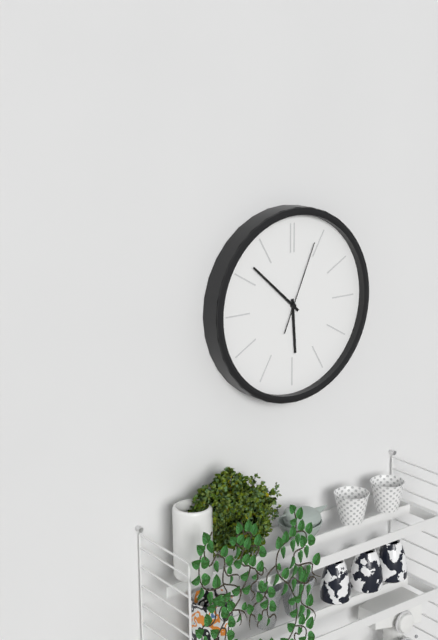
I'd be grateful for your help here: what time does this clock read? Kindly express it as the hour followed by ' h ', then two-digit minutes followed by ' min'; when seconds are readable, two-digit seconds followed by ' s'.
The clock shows 5 h 52 min 04 s
